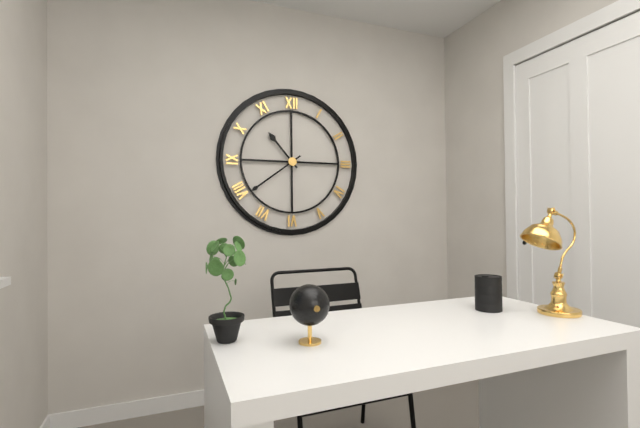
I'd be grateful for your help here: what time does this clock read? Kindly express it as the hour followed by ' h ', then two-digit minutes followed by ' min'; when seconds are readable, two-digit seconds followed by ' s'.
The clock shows 10 h 39 min
